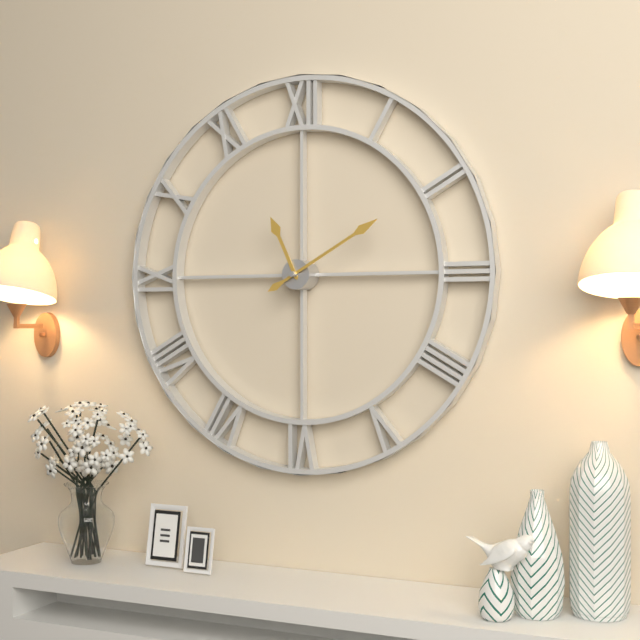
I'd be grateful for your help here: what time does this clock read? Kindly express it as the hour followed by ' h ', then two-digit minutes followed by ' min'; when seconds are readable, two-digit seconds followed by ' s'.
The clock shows 11 h 10 min
